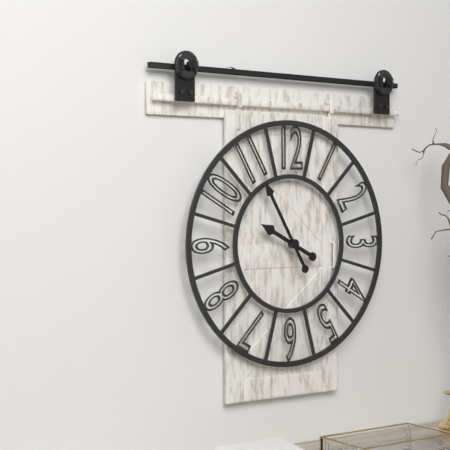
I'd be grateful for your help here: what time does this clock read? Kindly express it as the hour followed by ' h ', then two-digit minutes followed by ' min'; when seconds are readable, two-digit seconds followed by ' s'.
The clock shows 9 h 55 min
